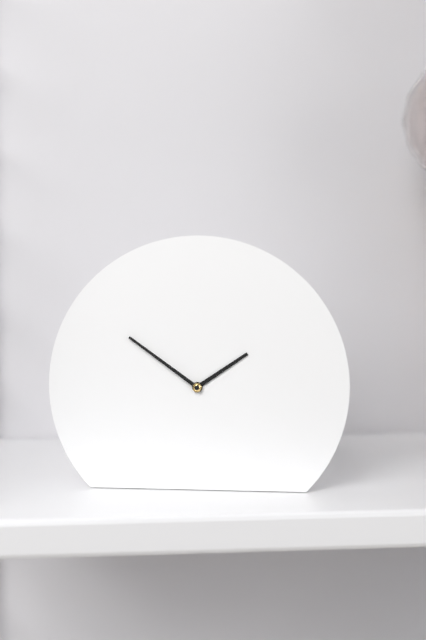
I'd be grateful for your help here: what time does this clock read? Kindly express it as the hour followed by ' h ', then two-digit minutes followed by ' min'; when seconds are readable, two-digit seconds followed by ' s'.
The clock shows 1 h 51 min
